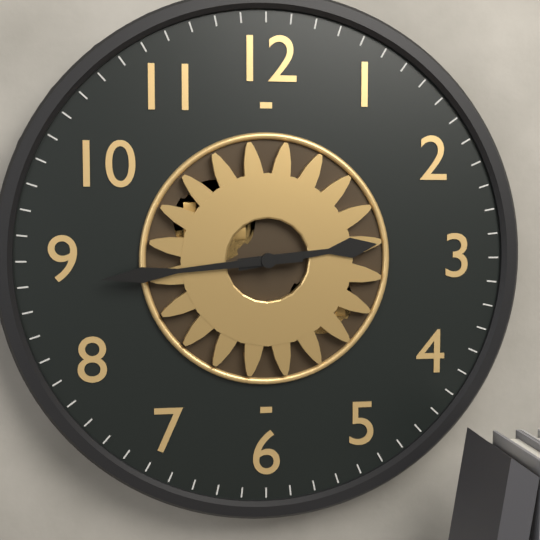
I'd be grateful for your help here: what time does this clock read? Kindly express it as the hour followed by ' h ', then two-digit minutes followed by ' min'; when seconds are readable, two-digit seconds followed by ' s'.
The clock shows 2 h 44 min
